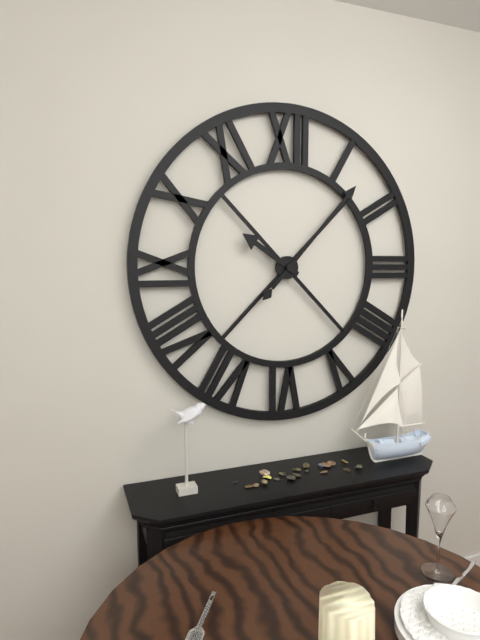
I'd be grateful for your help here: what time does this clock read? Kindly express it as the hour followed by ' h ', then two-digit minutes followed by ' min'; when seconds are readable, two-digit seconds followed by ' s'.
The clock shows 10 h 07 min
